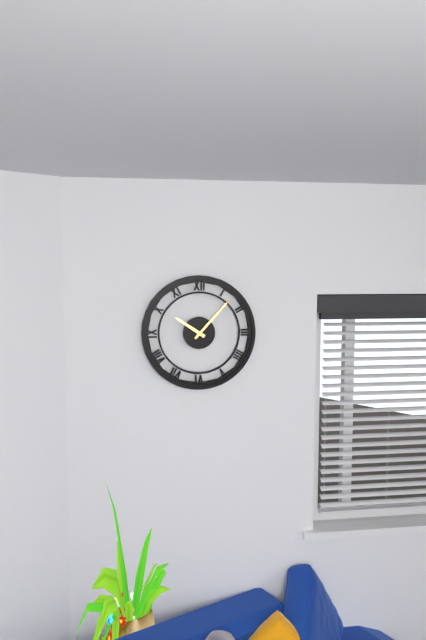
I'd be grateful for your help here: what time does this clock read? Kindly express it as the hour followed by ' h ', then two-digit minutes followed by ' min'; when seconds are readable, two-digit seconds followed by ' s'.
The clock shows 10 h 07 min
